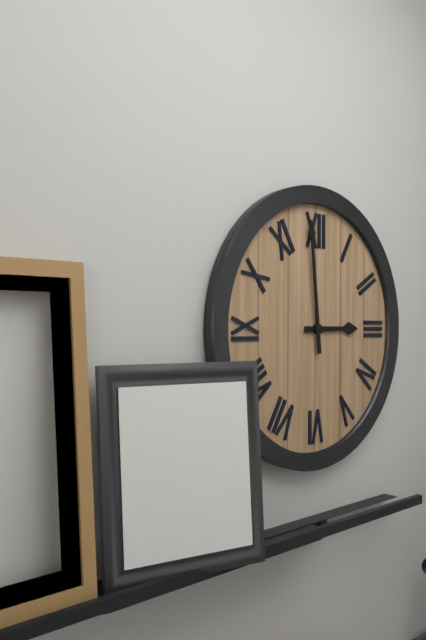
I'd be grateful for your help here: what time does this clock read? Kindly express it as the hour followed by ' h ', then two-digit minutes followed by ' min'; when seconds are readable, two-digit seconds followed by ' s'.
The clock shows 2 h 59 min
